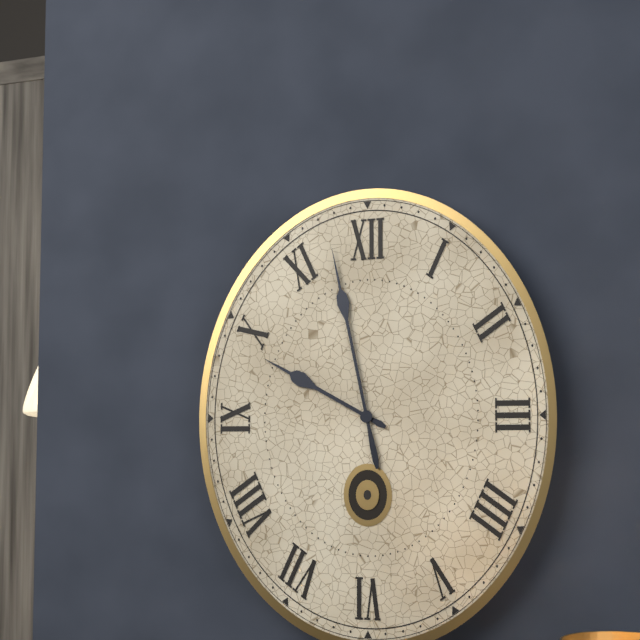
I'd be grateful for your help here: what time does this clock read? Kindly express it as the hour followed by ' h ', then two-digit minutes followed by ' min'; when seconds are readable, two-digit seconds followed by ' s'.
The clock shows 9 h 58 min
